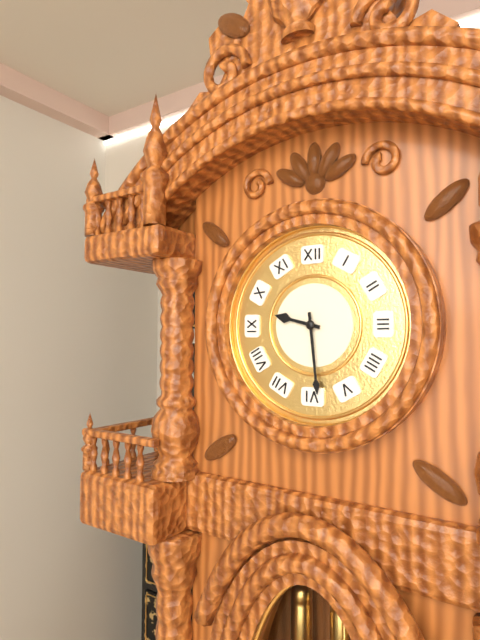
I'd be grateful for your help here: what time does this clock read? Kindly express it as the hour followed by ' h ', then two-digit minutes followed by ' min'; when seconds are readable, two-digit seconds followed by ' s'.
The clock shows 9 h 29 min
